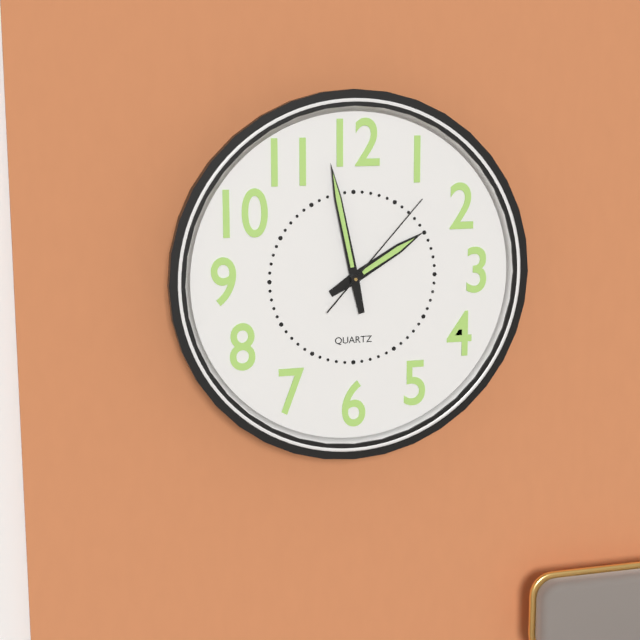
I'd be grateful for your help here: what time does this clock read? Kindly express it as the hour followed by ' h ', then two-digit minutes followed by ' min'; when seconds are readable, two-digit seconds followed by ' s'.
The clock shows 1 h 58 min 07 s
